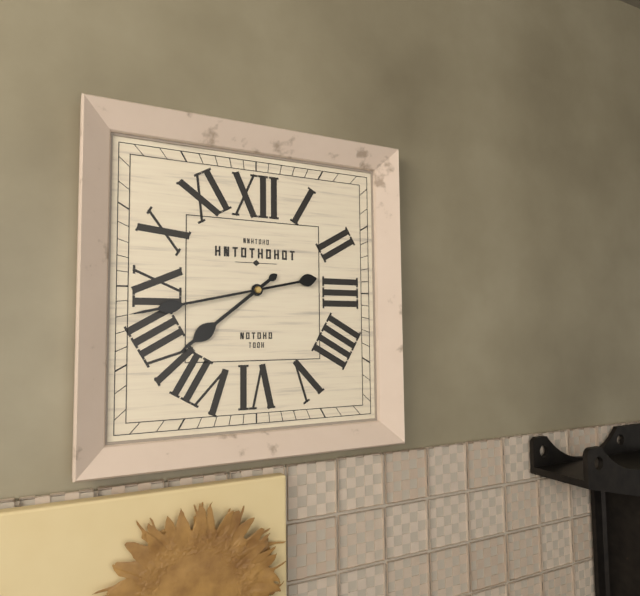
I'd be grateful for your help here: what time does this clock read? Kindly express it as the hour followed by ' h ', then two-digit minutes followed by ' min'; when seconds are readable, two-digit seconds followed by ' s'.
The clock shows 7 h 43 min
